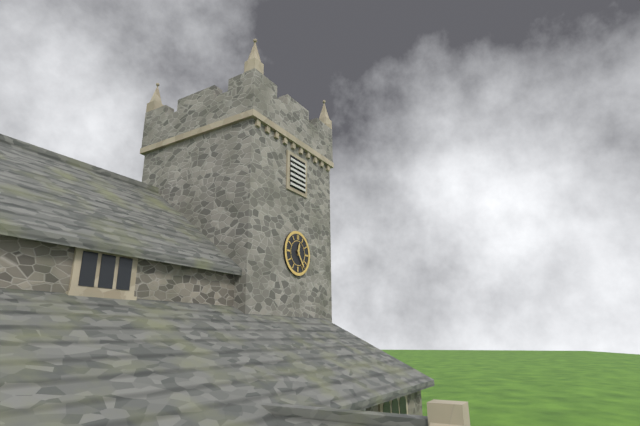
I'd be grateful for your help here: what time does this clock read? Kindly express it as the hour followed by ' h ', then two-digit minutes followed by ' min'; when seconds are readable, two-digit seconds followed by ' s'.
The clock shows 12 h 24 min
